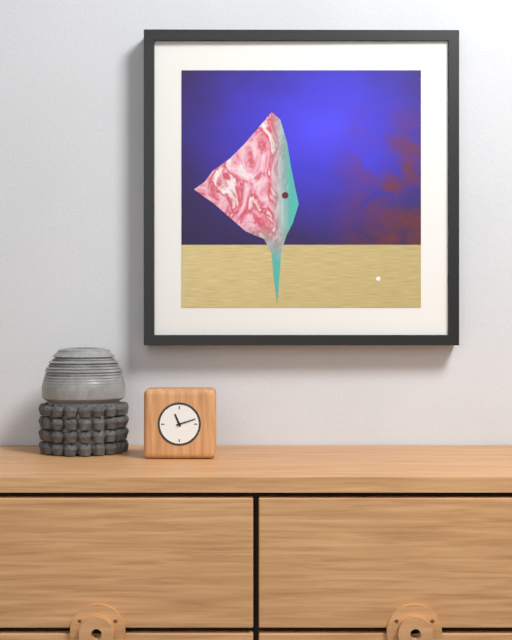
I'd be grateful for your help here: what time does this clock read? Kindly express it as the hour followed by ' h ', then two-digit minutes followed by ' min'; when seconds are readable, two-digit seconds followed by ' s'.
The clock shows 11 h 12 min
